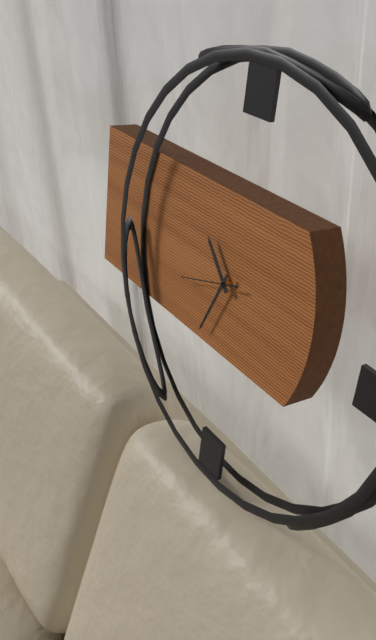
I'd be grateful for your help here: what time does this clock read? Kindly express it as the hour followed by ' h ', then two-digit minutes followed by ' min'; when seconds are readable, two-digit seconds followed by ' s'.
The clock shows 10 h 34 min 42 s
